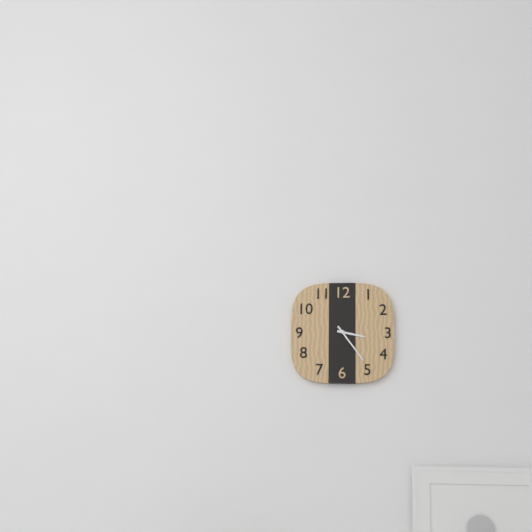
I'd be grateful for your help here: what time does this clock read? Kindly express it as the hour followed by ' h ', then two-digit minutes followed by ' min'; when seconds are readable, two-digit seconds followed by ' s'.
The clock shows 3 h 24 min
